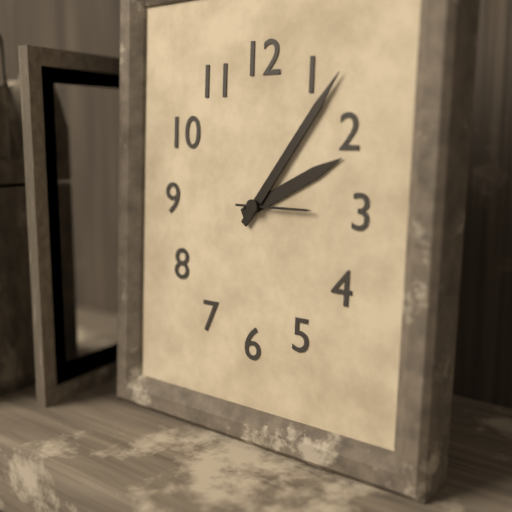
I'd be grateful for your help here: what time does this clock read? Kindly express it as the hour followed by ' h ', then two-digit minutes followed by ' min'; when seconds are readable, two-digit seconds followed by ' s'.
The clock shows 2 h 06 min 15 s
